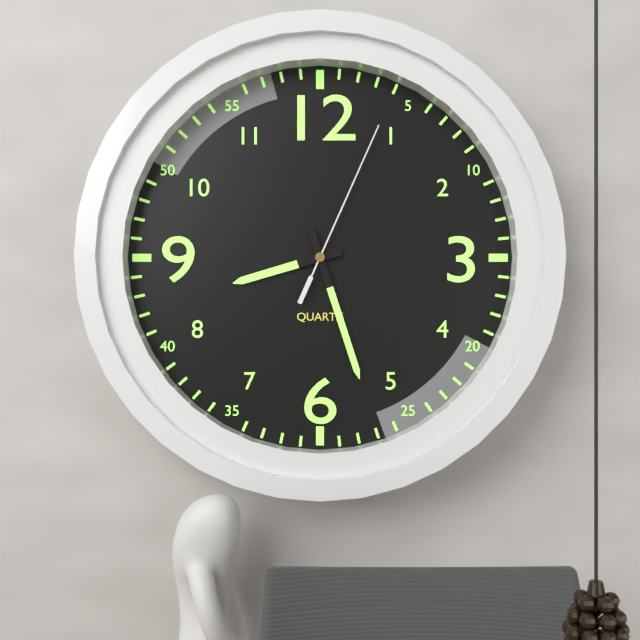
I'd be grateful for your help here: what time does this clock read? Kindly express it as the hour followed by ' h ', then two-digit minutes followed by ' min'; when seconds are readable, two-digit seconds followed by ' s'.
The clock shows 8 h 27 min 04 s
